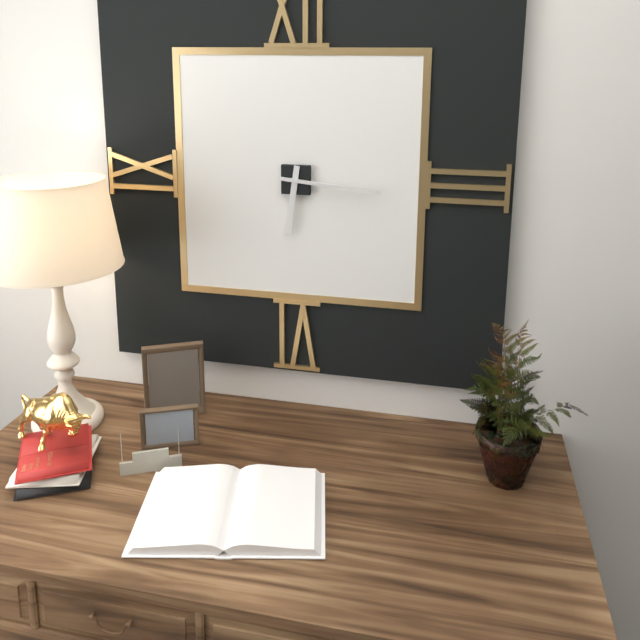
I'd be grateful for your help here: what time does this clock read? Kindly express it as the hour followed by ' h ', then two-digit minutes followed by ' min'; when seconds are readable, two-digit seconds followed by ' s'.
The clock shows 6 h 16 min
